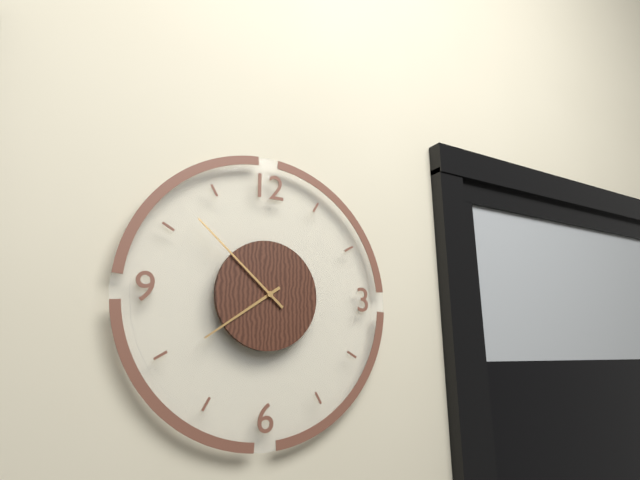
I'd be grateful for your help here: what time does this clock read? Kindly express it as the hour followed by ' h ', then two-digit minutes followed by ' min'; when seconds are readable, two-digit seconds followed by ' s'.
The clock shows 7 h 52 min
